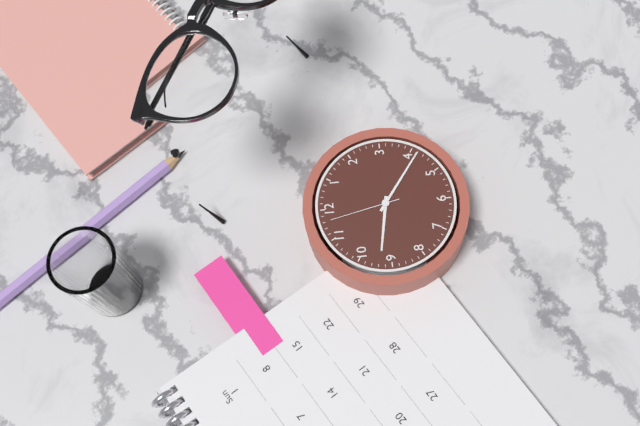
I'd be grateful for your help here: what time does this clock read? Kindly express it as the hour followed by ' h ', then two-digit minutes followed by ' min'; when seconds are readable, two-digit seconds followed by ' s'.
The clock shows 9 h 21 min 58 s
